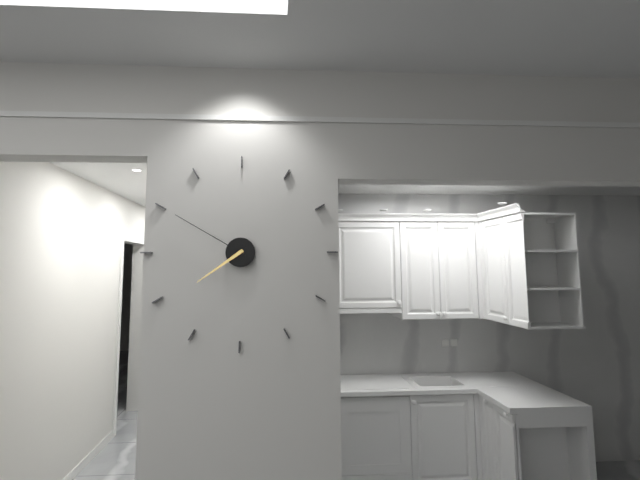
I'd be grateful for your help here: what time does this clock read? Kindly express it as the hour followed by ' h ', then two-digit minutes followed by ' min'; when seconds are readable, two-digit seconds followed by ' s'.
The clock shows 7 h 50 min
